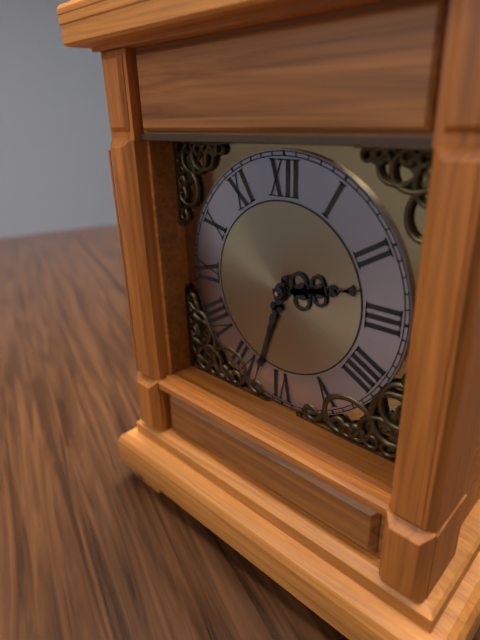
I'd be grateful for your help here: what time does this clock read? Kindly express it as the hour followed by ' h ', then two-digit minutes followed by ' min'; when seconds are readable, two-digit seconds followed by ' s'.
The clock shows 2 h 33 min
